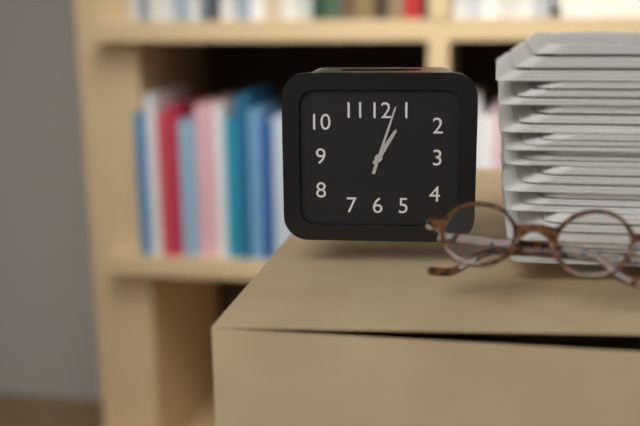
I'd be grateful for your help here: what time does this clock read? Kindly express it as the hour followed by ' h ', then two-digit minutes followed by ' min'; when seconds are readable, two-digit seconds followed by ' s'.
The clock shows 1 h 03 min
